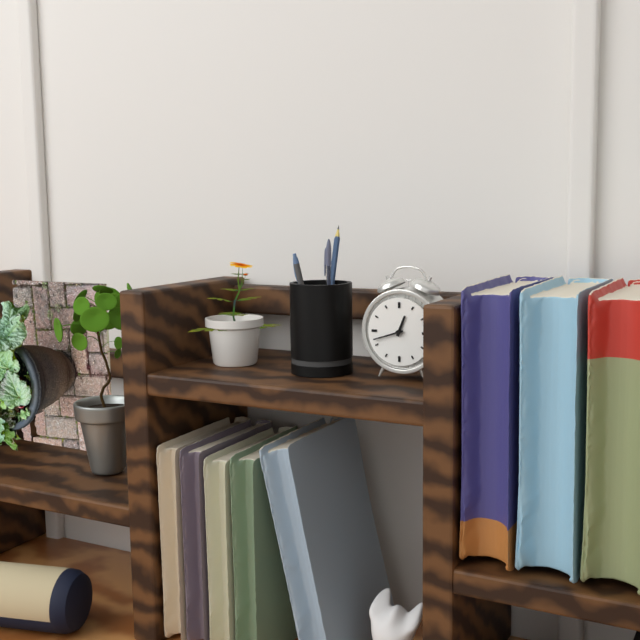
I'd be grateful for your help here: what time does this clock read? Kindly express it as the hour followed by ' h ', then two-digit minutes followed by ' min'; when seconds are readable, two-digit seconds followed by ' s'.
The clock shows 12 h 42 min
